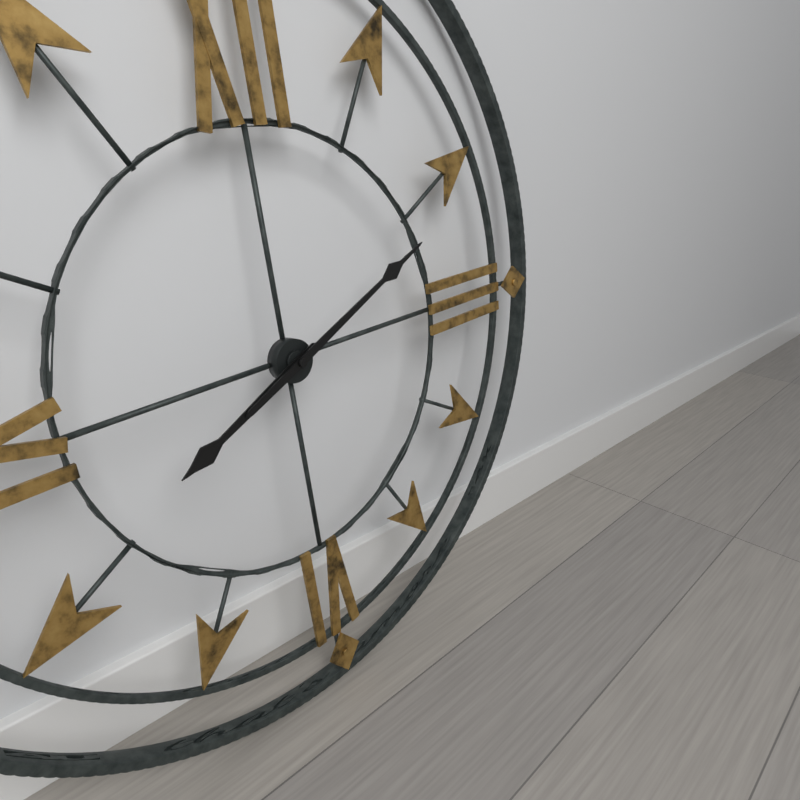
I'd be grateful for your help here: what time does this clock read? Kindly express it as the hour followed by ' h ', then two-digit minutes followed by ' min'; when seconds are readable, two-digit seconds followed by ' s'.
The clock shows 8 h 11 min
